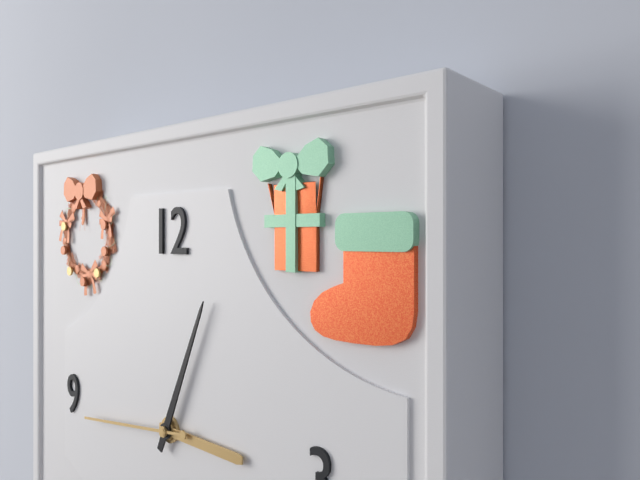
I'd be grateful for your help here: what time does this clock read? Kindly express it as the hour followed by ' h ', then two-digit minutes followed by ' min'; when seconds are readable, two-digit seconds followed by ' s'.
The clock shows 3 h 04 min 44 s
